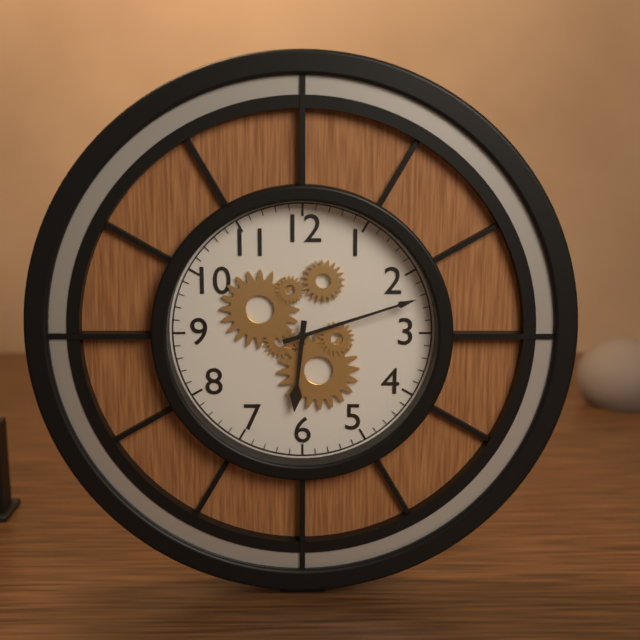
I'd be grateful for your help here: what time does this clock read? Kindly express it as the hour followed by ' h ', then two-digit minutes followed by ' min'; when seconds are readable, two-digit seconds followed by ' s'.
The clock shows 6 h 12 min
